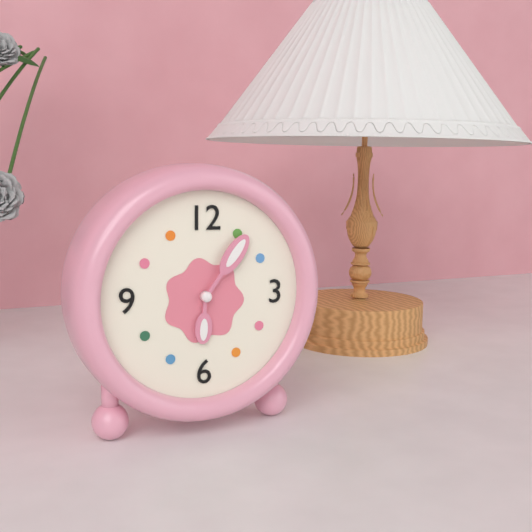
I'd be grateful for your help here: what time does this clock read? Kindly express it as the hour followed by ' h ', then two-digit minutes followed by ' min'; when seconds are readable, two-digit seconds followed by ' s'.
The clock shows 6 h 06 min
